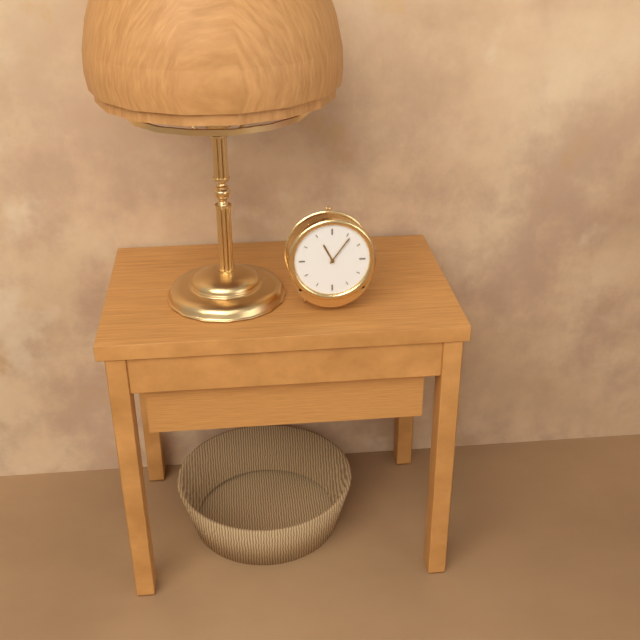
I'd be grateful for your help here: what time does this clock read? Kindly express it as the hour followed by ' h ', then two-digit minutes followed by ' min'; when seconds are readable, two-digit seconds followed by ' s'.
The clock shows 11 h 06 min
